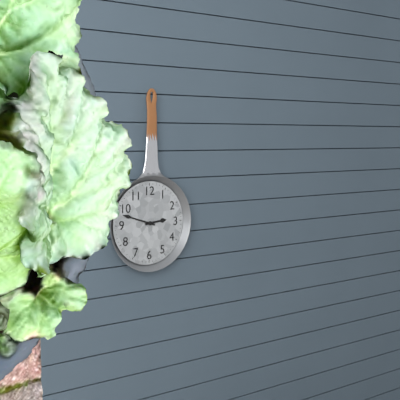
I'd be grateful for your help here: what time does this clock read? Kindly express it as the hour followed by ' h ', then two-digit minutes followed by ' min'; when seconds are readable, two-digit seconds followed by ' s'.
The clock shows 2 h 48 min
